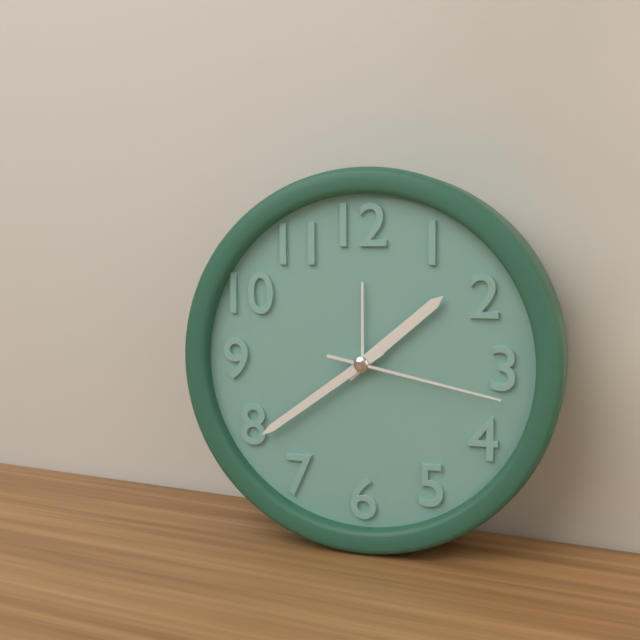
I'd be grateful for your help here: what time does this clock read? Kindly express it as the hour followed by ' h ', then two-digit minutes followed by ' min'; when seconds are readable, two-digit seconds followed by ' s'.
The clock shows 1 h 39 min 17 s
